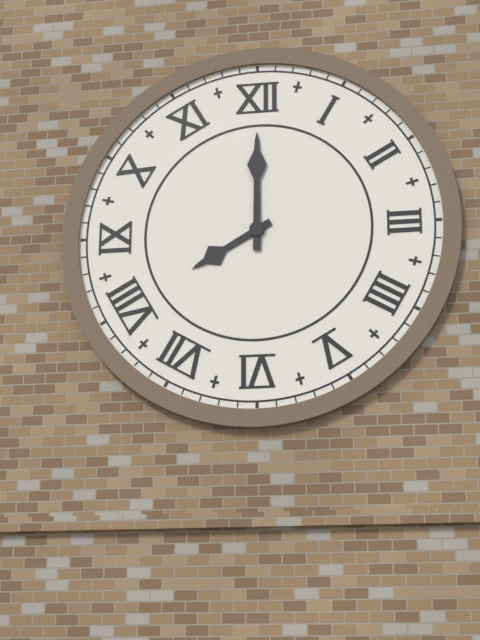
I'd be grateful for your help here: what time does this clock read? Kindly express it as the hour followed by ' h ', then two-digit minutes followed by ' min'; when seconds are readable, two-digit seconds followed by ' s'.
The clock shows 8 h 00 min
